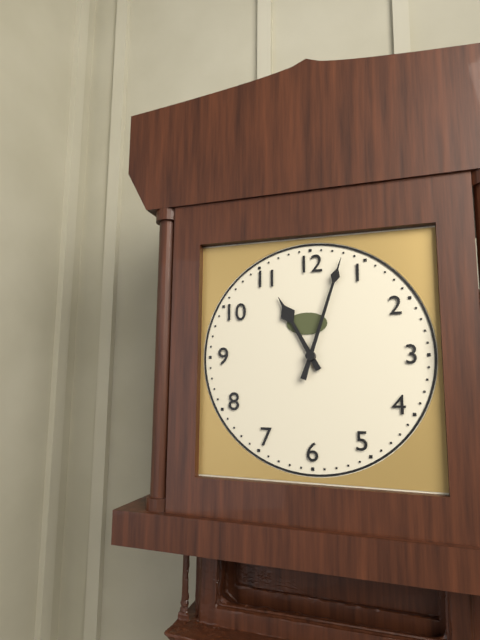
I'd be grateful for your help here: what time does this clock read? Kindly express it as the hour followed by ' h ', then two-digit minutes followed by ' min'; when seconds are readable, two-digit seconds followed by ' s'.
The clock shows 11 h 03 min
